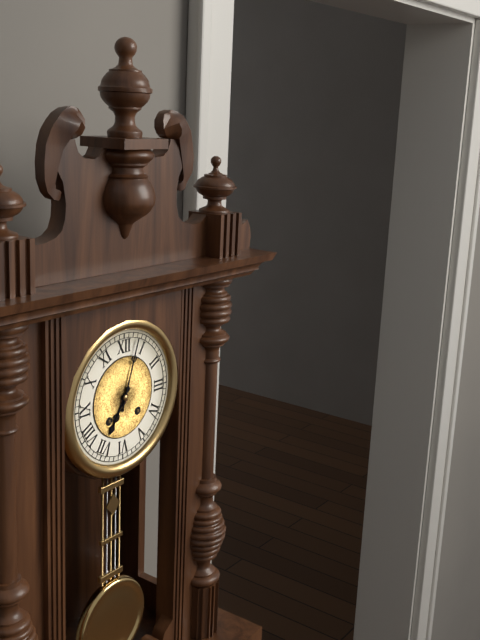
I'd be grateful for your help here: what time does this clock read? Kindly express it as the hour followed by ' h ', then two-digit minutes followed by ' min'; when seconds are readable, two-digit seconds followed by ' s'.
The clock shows 7 h 03 min
